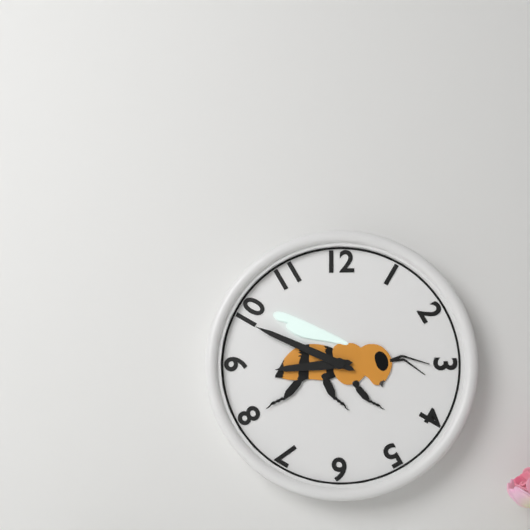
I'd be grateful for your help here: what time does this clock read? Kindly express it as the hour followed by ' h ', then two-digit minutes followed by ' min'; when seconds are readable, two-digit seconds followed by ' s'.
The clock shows 8 h 49 min
